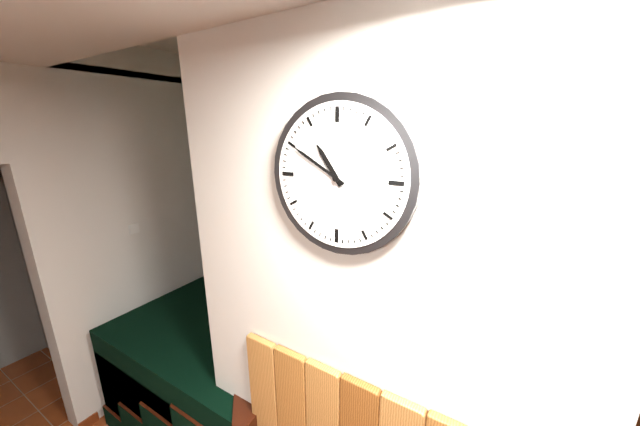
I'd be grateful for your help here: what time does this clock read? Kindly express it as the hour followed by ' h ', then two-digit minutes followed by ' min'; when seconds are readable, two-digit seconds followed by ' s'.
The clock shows 10 h 50 min
